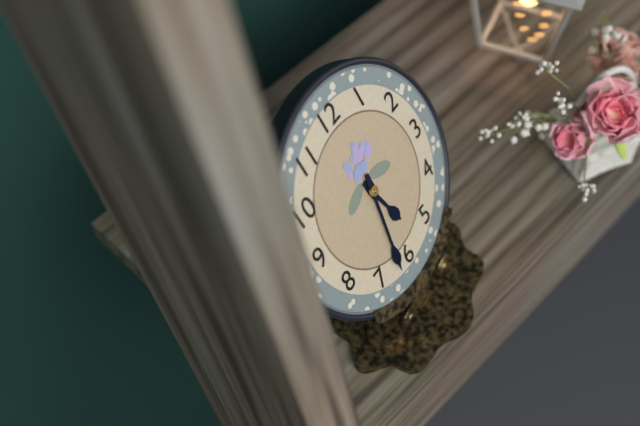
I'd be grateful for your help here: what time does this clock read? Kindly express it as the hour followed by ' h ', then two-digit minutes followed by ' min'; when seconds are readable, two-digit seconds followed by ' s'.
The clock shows 5 h 32 min
